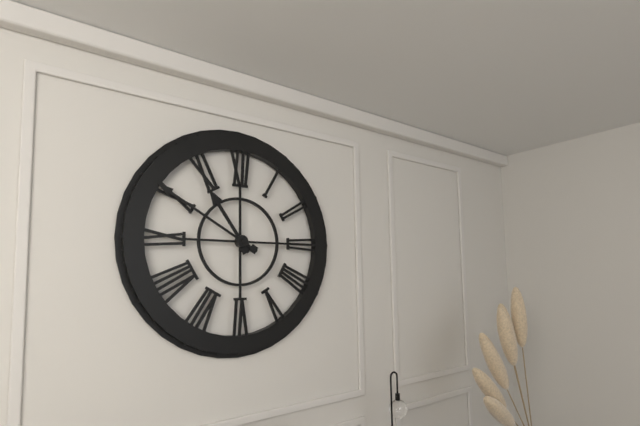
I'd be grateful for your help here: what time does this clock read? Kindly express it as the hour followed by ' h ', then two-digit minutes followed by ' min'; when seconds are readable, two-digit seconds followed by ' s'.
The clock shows 10 h 50 min
